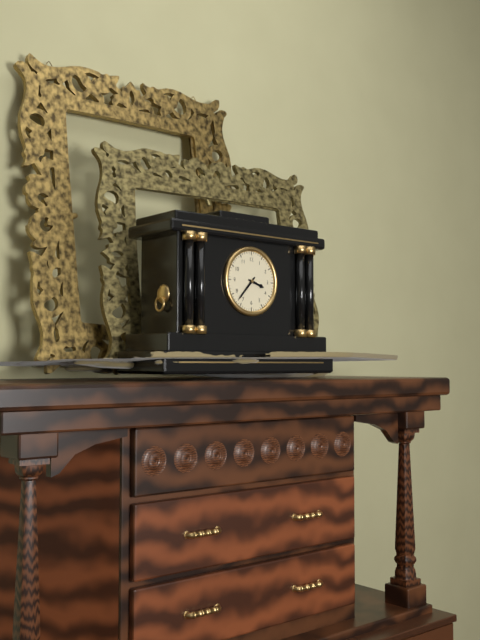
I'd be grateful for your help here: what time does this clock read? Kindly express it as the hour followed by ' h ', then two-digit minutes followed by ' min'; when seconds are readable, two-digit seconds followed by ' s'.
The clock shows 3 h 37 min
